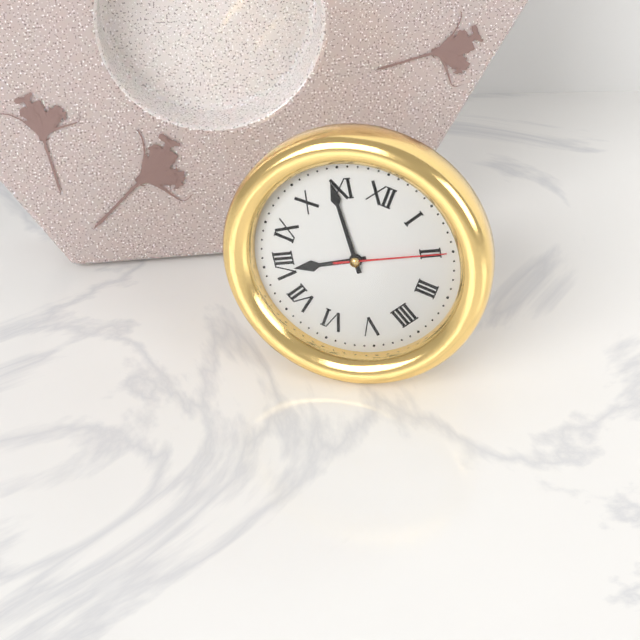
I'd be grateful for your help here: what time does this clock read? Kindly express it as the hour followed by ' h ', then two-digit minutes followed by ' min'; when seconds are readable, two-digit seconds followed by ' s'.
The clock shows 7 h 54 min 10 s
